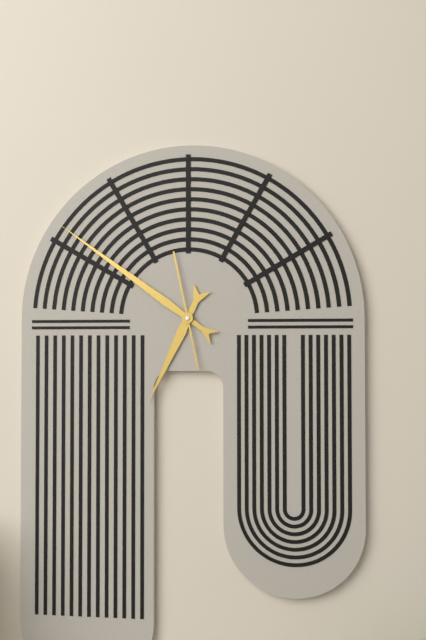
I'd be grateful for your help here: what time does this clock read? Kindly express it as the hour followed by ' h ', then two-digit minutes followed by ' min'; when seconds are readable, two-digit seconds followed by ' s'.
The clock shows 6 h 51 min 58 s
